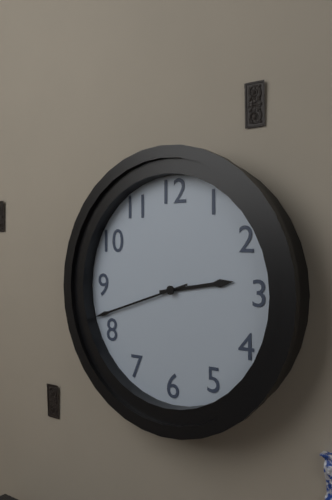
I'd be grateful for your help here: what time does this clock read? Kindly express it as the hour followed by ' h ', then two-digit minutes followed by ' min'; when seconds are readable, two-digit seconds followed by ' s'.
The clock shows 2 h 42 min
